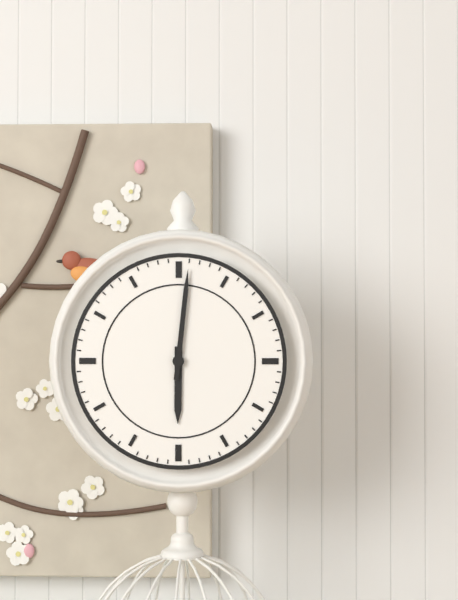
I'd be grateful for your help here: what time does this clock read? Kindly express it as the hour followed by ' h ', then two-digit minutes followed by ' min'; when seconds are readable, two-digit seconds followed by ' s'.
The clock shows 6 h 01 min
